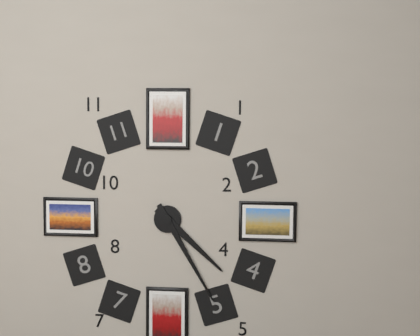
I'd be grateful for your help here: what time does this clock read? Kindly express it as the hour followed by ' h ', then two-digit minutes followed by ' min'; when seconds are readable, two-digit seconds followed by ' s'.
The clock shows 4 h 25 min
